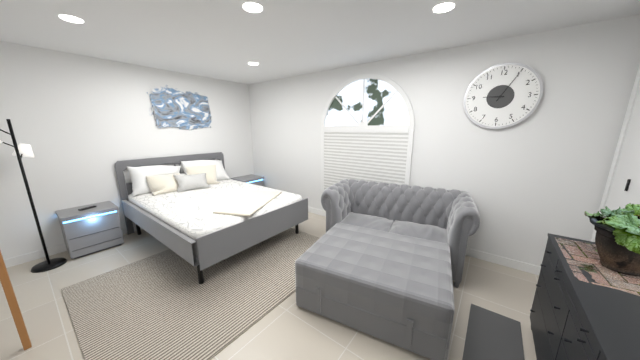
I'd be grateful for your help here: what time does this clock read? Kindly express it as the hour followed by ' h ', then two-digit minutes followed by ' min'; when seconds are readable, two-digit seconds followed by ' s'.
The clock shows 9 h 05 min
